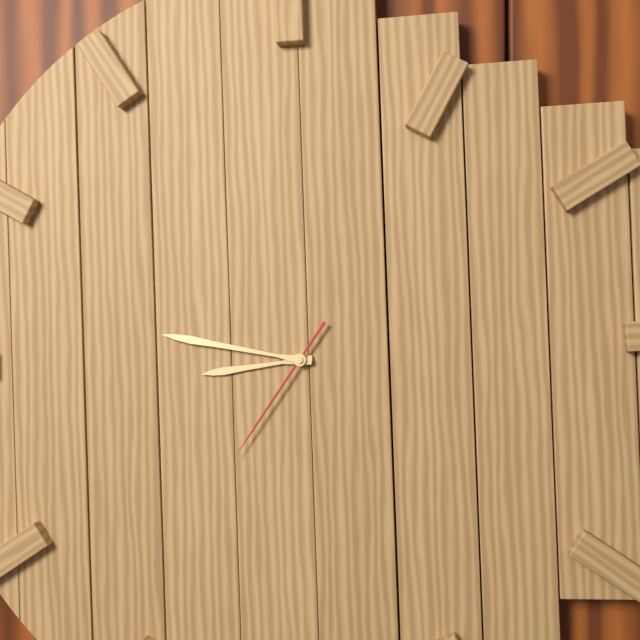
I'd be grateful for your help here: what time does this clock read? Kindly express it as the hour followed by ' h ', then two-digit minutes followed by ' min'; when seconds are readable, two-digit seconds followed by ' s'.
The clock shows 8 h 47 min 36 s
